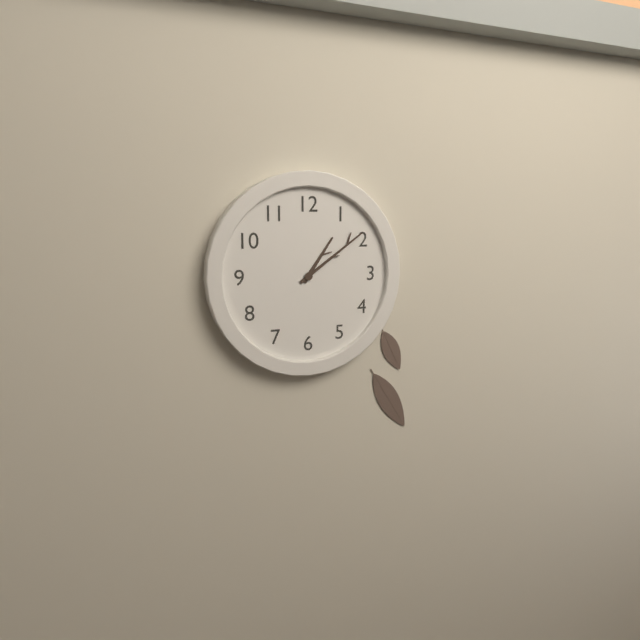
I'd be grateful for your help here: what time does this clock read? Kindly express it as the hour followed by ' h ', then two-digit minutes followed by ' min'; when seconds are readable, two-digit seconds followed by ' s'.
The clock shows 1 h 09 min
